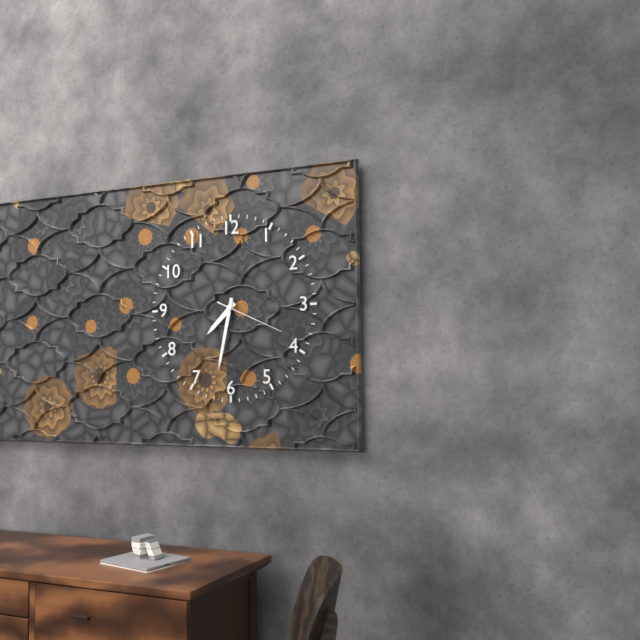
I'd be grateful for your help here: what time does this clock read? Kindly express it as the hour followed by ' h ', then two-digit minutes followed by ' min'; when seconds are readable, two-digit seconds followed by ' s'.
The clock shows 7 h 32 min 19 s
